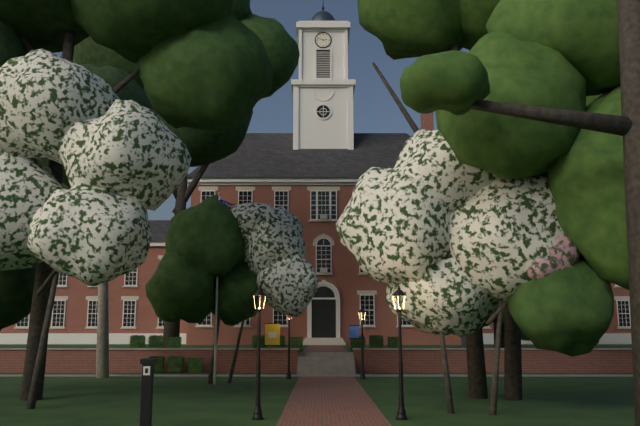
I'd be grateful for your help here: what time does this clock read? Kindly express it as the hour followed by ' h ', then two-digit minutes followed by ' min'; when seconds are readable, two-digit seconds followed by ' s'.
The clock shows 2 h 48 min
